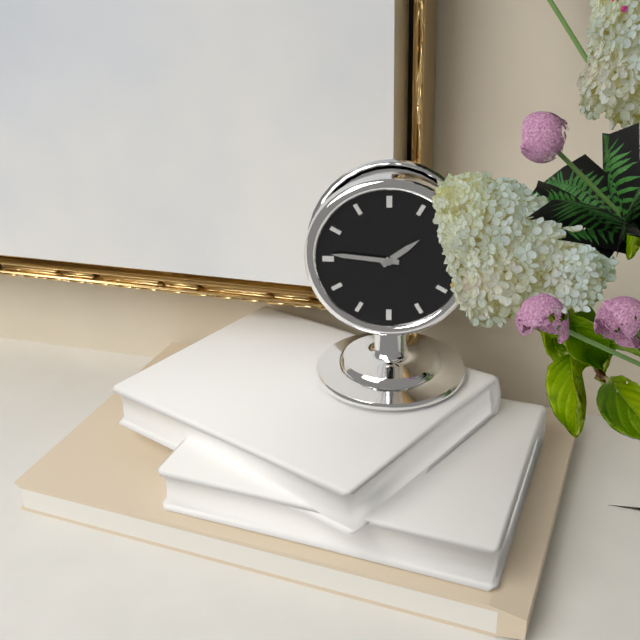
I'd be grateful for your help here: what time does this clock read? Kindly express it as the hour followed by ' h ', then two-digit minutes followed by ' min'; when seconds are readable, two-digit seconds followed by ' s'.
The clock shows 1 h 46 min
